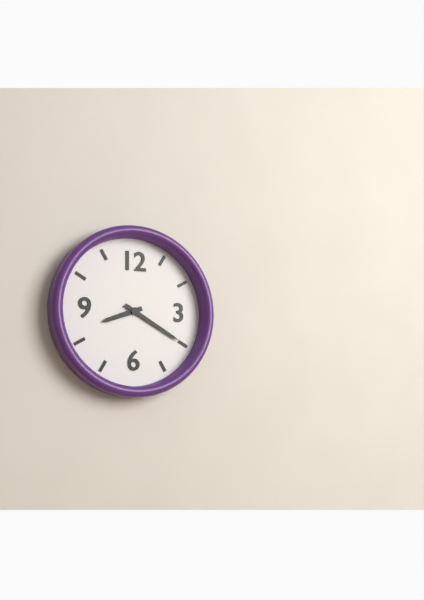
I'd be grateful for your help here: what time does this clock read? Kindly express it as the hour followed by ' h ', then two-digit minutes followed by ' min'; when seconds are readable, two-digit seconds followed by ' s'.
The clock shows 8 h 20 min
